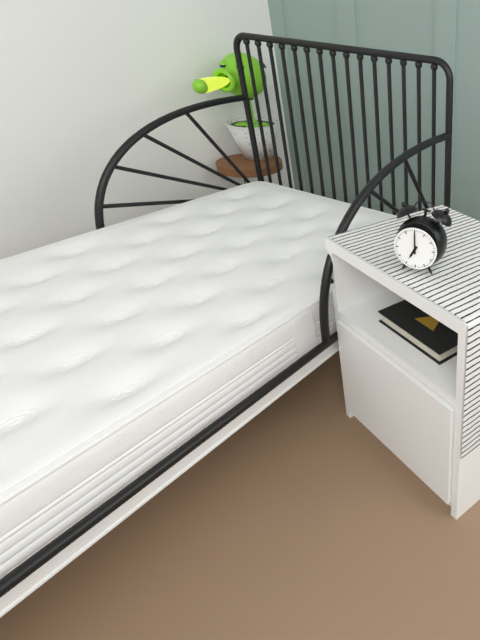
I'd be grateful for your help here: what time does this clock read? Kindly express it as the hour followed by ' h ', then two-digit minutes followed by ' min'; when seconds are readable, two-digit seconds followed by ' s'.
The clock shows 7 h 00 min
